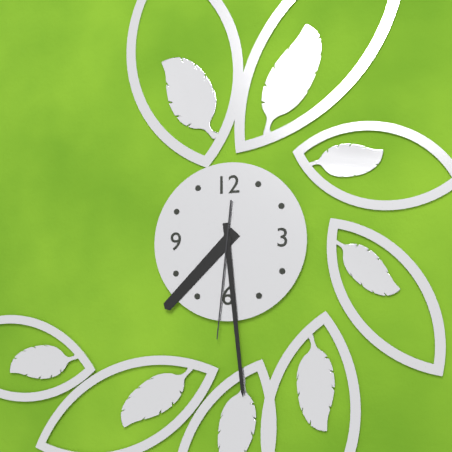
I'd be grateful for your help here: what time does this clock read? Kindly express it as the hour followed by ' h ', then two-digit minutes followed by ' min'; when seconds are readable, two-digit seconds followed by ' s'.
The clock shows 7 h 29 min 31 s
